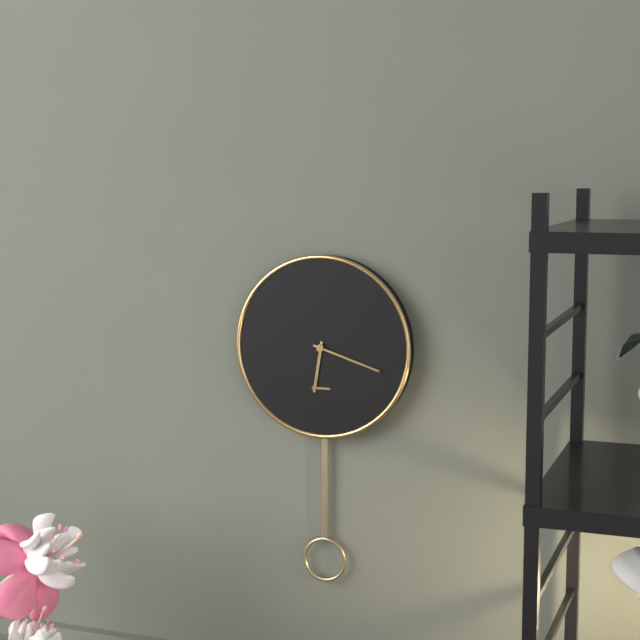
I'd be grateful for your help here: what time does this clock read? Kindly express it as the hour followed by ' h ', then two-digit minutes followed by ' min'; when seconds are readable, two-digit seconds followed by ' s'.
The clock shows 6 h 18 min
